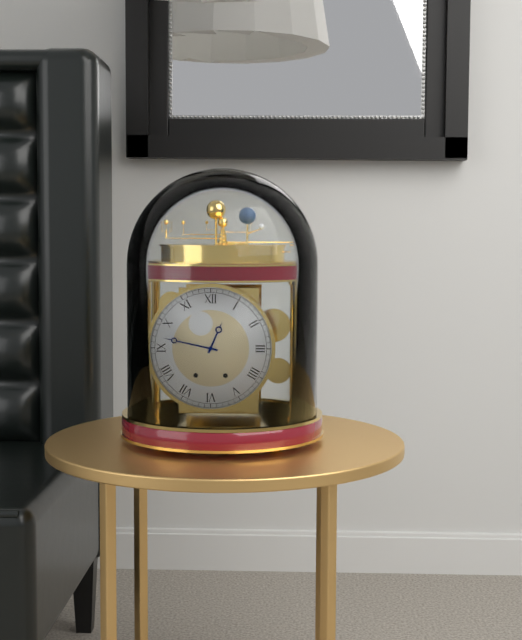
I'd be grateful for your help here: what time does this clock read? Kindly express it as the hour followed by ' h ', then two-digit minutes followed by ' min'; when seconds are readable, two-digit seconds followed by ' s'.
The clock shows 12 h 47 min
